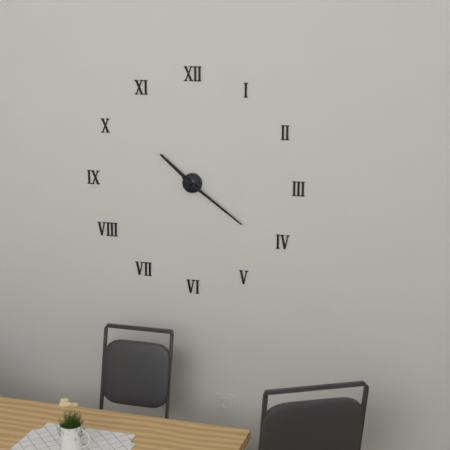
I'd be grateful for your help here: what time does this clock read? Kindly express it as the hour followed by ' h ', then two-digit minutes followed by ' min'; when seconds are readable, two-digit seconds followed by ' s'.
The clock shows 10 h 21 min
